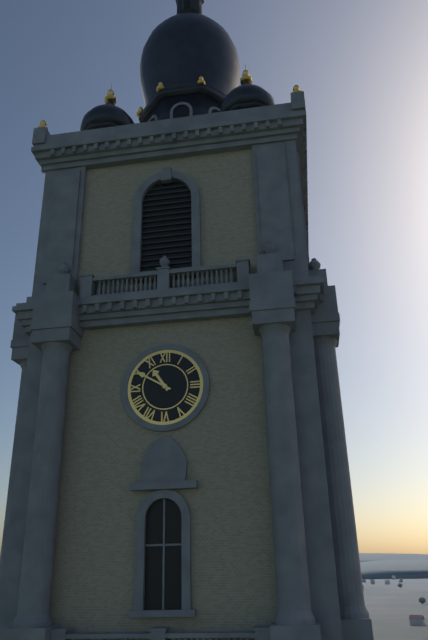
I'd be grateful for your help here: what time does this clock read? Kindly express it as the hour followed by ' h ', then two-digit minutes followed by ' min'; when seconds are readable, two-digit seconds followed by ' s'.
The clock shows 10 h 50 min
